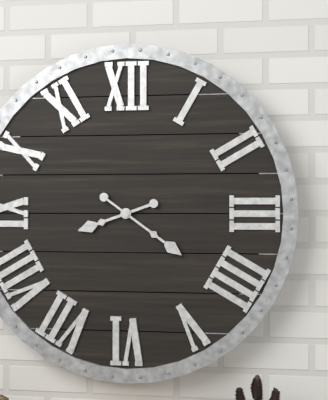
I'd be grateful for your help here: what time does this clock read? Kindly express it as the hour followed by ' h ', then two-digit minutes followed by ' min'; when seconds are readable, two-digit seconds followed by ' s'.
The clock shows 8 h 21 min
